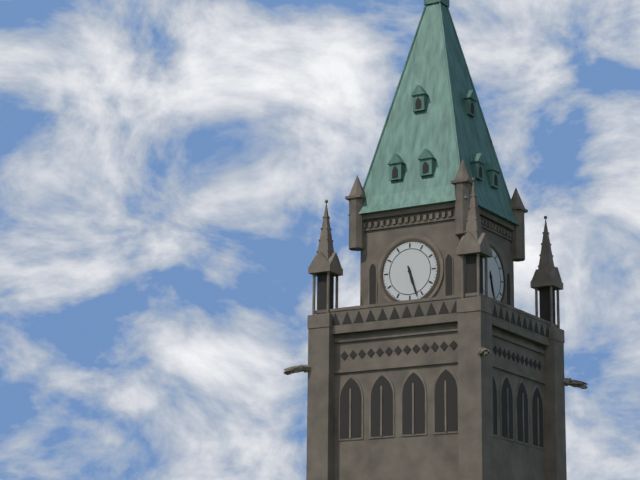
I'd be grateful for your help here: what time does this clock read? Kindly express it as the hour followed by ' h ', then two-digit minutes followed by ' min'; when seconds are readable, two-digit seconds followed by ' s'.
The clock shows 5 h 27 min
